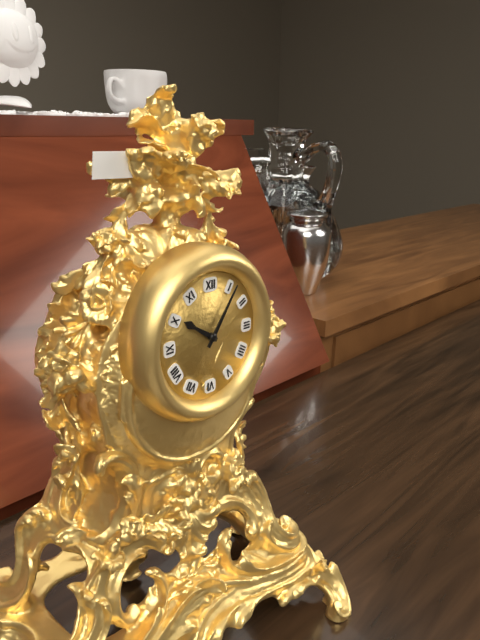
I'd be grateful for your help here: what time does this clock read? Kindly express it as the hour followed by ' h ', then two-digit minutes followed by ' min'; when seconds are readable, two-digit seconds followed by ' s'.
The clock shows 10 h 06 min
